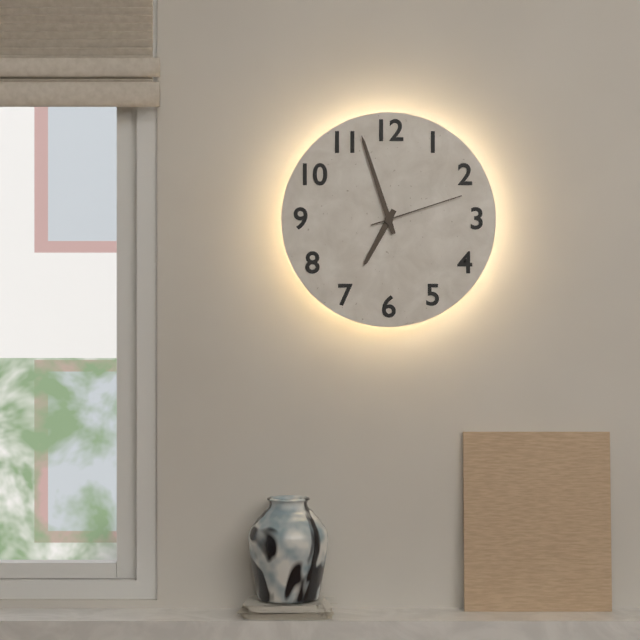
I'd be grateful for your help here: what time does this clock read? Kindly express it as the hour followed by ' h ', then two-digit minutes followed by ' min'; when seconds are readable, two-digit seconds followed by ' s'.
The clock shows 6 h 57 min 12 s
